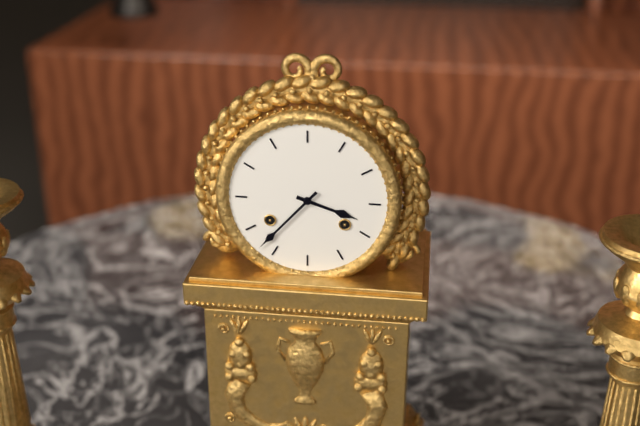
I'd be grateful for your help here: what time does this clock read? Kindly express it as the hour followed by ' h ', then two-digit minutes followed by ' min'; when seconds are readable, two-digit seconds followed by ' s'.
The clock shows 3 h 37 min
